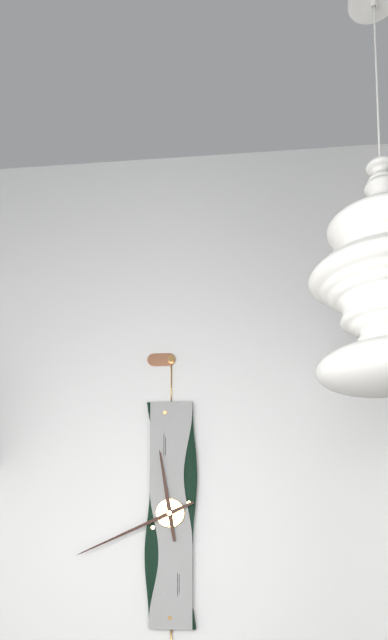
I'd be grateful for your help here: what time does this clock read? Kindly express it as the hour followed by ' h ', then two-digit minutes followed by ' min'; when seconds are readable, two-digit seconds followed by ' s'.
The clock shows 11 h 41 min
